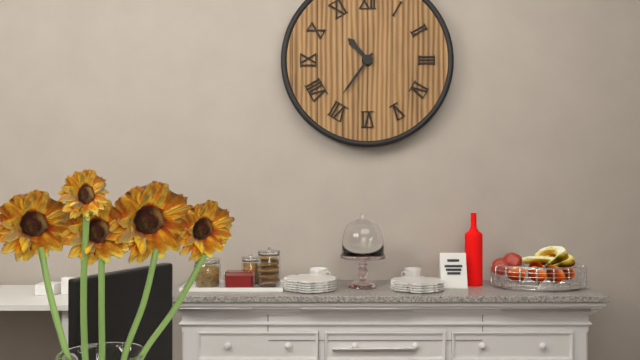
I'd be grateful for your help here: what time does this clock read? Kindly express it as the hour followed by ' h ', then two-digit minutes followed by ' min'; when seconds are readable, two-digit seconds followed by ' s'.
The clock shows 10 h 36 min
